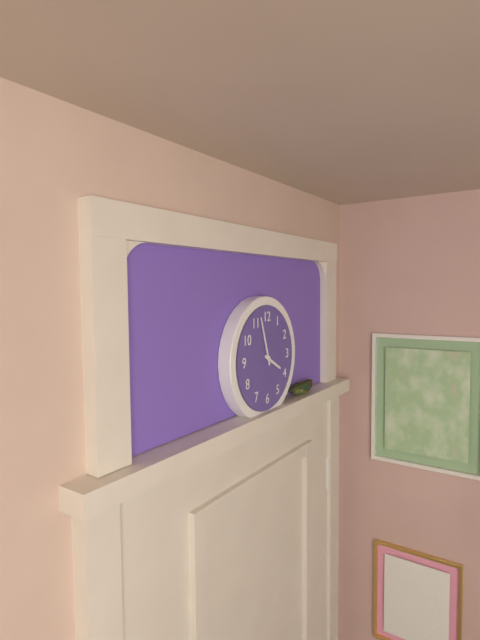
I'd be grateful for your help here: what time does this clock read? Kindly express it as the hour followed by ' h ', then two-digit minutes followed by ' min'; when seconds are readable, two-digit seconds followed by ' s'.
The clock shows 3 h 57 min
